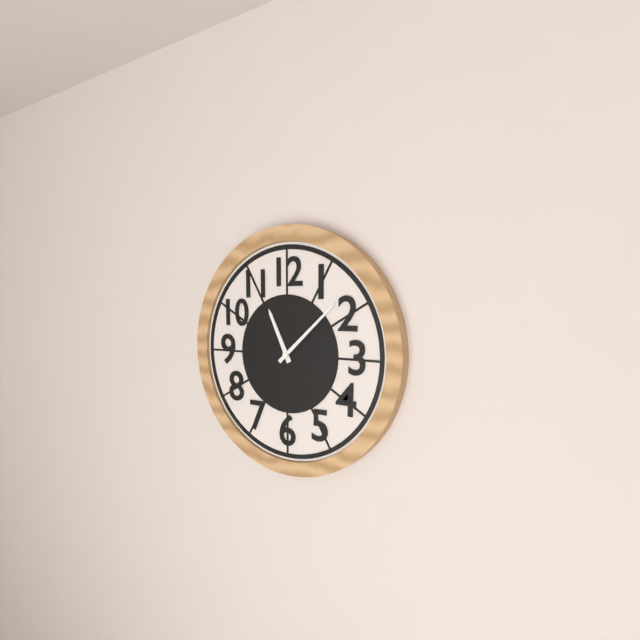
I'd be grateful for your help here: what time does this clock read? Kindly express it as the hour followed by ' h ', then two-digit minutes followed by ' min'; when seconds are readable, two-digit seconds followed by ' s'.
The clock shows 11 h 08 min
